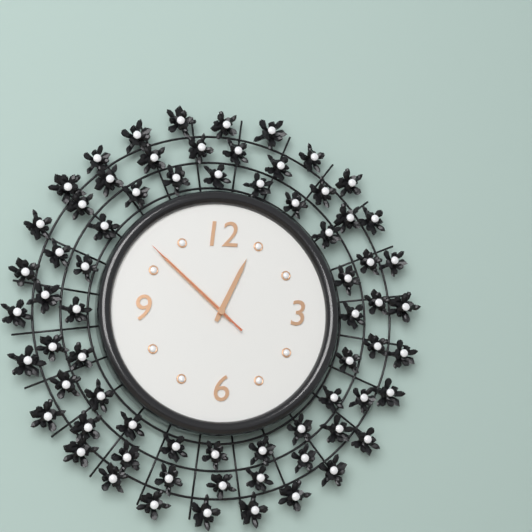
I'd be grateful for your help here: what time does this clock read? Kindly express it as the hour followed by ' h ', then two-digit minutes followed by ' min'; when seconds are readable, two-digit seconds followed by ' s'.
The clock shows 12 h 52 min 52 s
